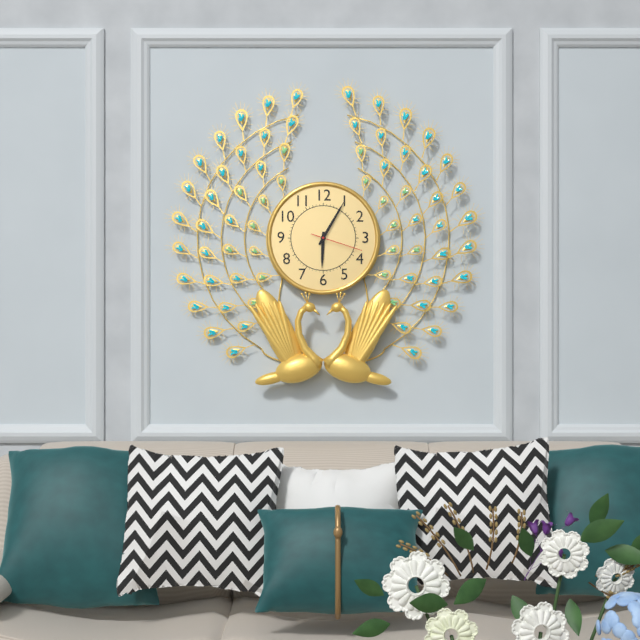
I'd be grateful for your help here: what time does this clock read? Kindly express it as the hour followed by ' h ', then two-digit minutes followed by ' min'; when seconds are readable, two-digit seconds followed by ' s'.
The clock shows 6 h 05 min 18 s
